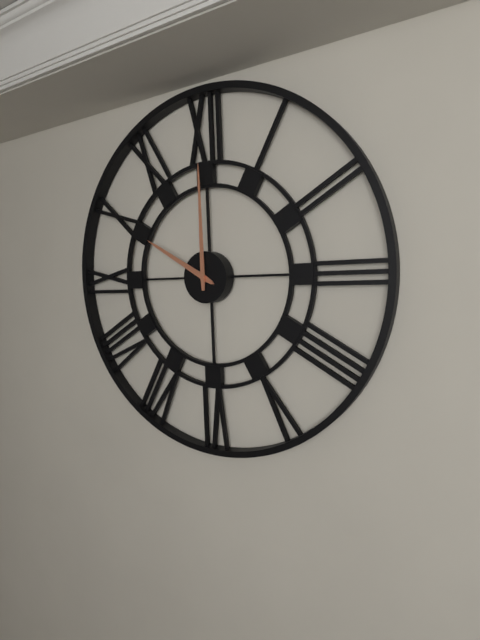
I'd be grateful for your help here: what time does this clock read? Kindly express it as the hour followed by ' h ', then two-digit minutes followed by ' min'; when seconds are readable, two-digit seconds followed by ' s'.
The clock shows 10 h 00 min
